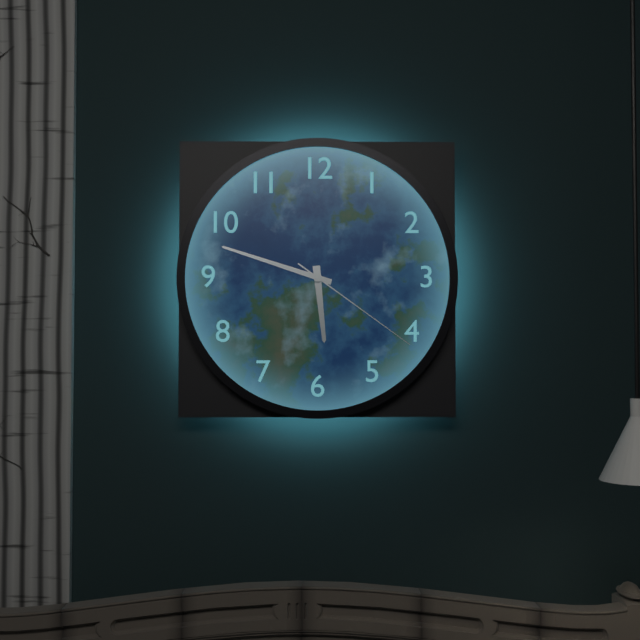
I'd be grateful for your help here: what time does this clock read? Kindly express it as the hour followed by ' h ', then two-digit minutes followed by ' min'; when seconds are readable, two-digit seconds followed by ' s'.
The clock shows 5 h 48 min 21 s
